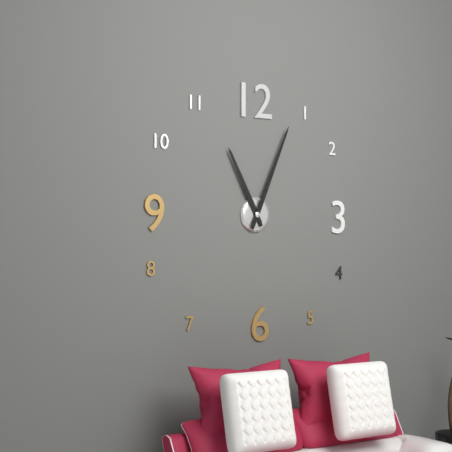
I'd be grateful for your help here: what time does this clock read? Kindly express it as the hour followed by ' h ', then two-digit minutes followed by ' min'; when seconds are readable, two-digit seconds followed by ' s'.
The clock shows 11 h 04 min
